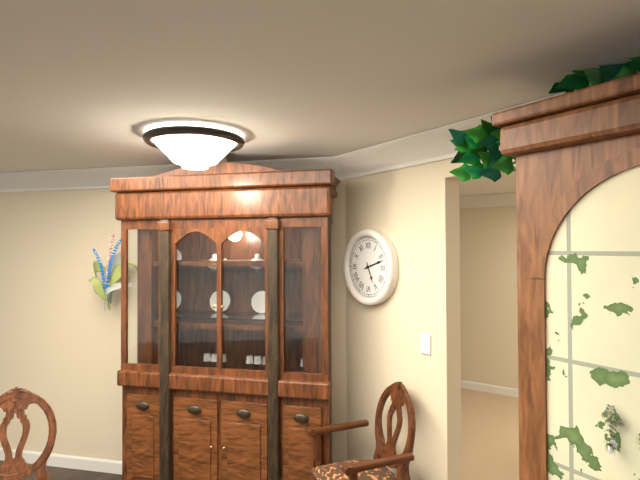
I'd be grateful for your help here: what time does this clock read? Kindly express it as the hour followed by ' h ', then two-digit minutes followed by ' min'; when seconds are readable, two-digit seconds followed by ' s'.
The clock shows 5 h 12 min
